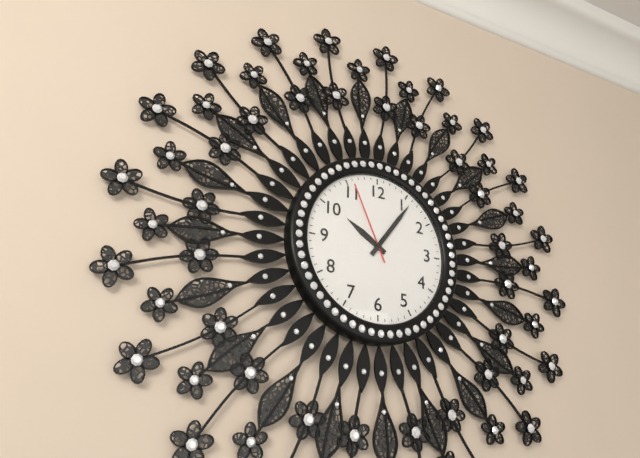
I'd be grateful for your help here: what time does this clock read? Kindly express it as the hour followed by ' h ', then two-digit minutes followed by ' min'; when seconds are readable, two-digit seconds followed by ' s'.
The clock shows 10 h 06 min 56 s
